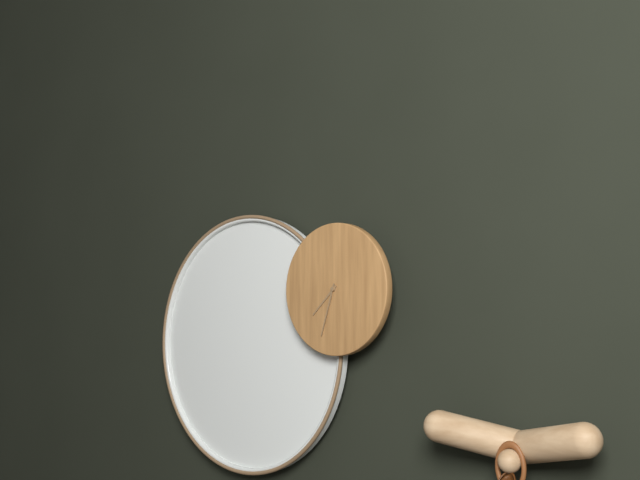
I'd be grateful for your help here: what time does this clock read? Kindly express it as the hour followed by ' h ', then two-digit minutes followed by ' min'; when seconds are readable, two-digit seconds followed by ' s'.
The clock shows 7 h 33 min
